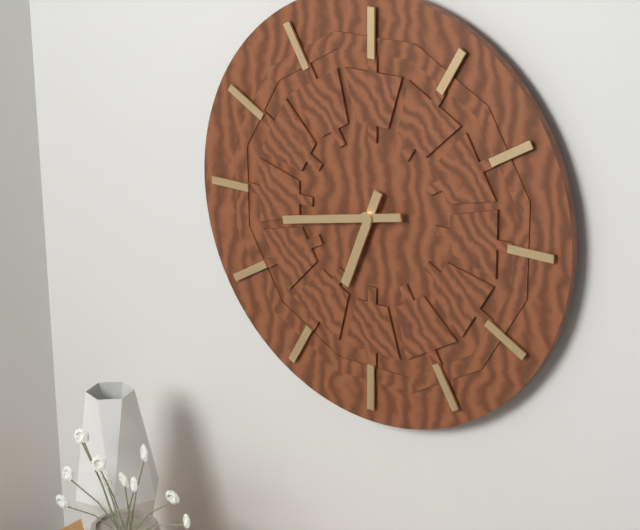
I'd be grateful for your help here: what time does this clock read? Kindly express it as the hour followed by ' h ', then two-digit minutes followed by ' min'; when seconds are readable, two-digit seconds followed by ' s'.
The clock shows 6 h 43 min
